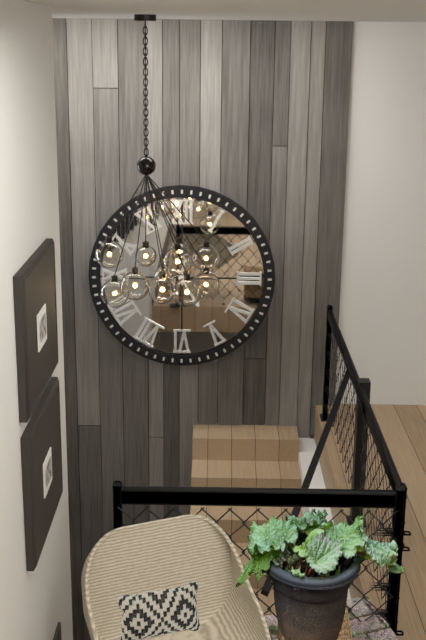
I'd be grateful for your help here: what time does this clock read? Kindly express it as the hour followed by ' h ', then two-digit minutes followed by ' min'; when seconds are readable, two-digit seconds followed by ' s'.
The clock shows 12 h 25 min
